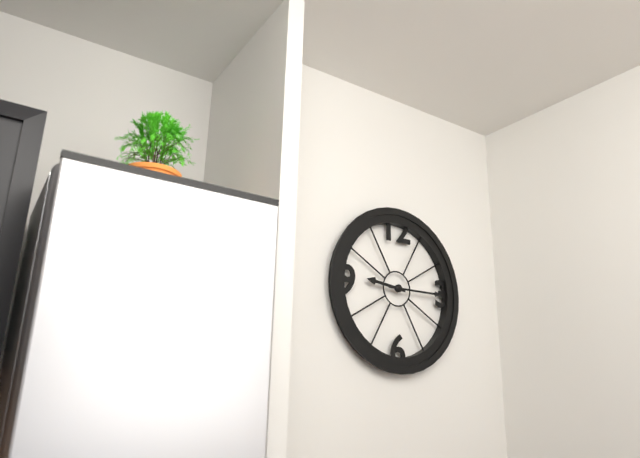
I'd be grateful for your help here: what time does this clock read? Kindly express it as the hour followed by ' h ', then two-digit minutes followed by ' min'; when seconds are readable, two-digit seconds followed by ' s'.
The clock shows 9 h 15 min
